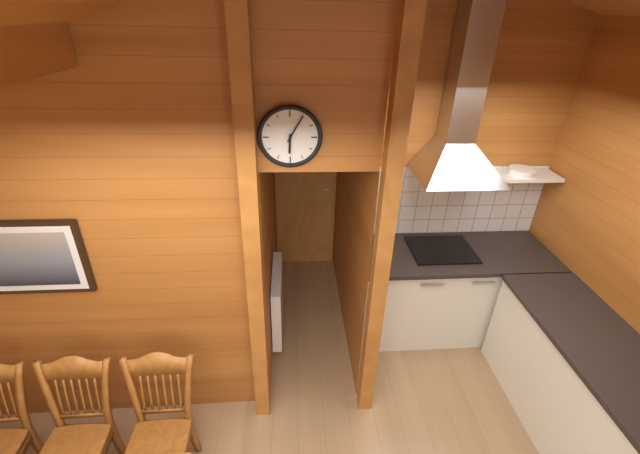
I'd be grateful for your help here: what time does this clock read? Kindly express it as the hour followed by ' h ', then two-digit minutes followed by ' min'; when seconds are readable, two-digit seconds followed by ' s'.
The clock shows 6 h 05 min
